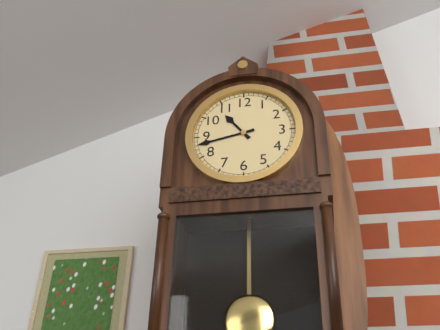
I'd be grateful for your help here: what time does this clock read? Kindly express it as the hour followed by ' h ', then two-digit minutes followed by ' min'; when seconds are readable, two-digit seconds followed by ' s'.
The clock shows 10 h 43 min
